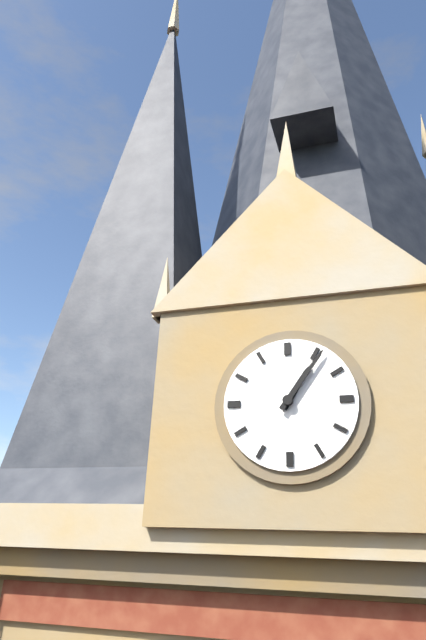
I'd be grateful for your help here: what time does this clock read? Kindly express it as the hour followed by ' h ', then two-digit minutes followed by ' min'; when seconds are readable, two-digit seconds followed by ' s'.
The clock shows 1 h 06 min
